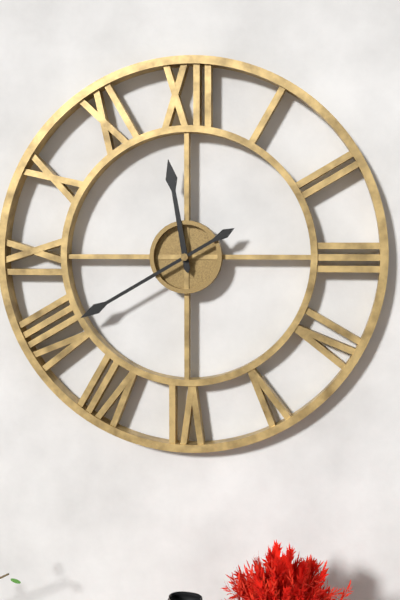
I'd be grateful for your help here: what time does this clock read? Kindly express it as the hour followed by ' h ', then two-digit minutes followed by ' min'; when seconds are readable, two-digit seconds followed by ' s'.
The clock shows 11 h 40 min
